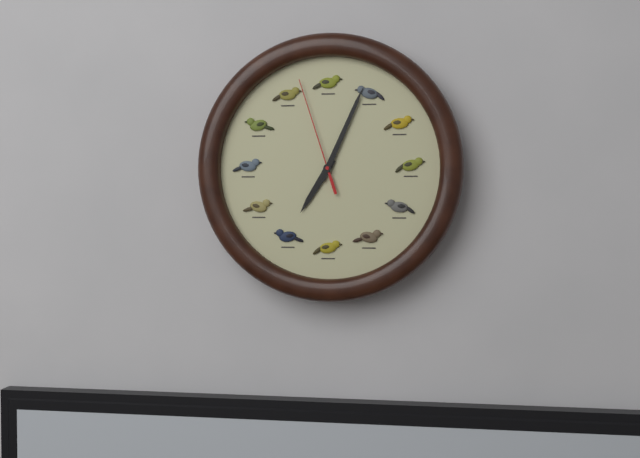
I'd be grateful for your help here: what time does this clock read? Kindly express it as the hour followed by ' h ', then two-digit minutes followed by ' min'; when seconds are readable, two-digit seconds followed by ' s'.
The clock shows 7 h 04 min 57 s
